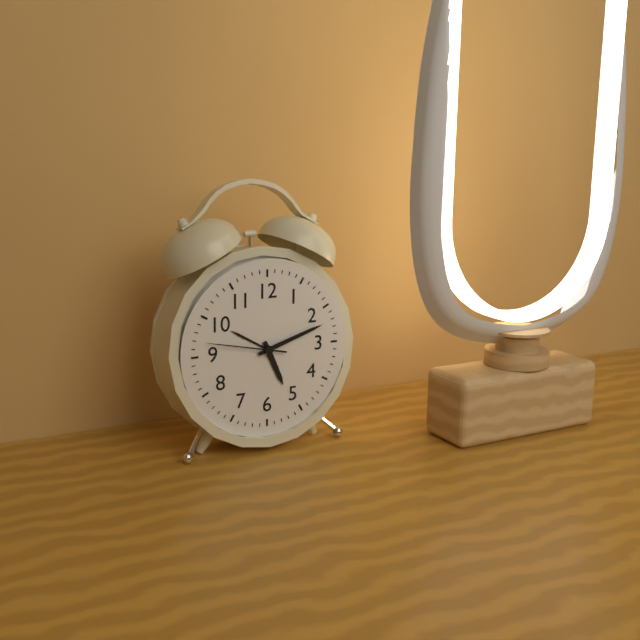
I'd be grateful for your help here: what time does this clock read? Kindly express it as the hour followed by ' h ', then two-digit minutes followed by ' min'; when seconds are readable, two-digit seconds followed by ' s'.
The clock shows 5 h 12 min 47 s
